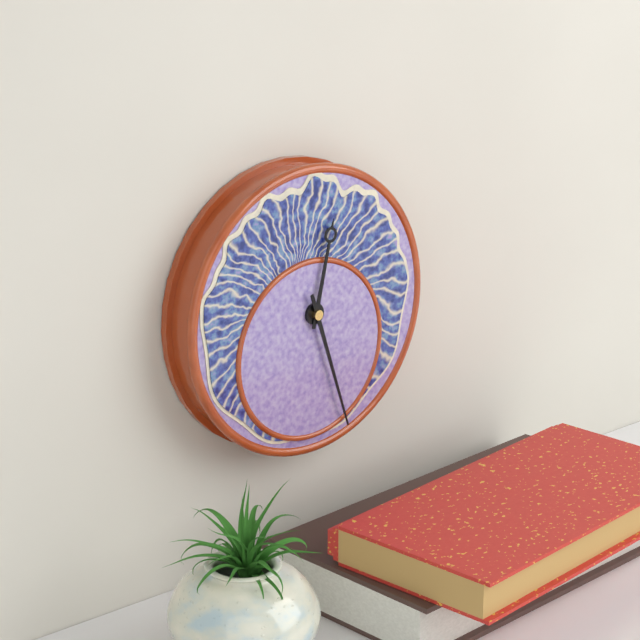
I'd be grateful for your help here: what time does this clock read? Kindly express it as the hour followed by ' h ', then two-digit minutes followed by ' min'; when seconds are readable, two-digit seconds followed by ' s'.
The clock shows 12 h 27 min
